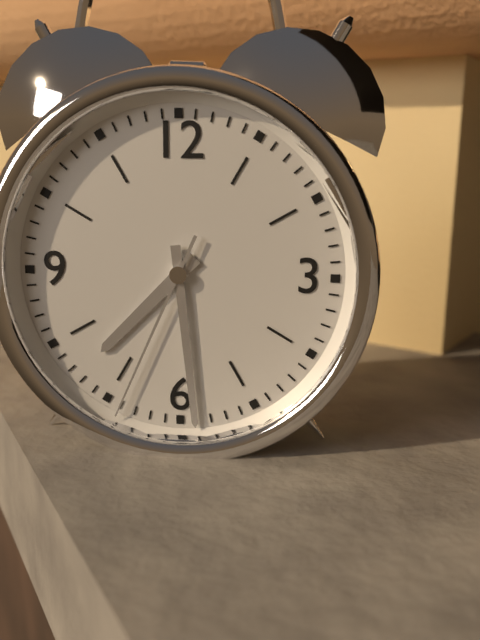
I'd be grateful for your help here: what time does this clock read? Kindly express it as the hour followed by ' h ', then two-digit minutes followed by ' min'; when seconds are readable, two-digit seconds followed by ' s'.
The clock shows 7 h 29 min 34 s
